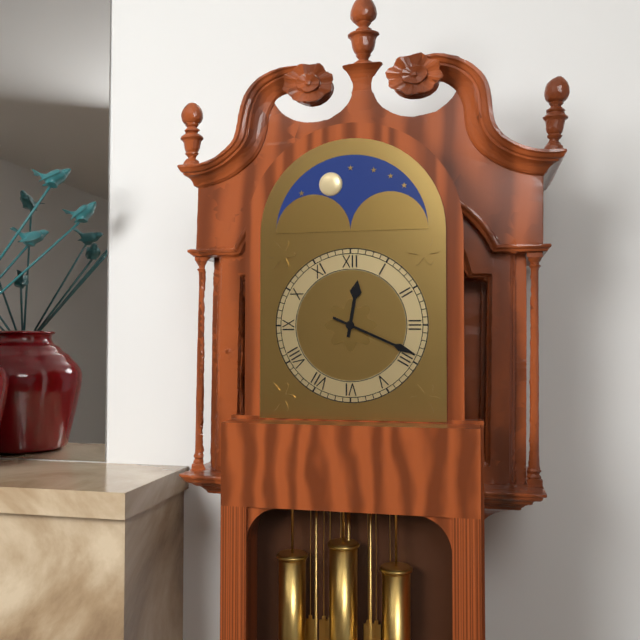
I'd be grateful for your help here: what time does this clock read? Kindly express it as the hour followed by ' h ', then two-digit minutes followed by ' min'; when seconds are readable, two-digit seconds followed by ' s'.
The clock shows 12 h 19 min
